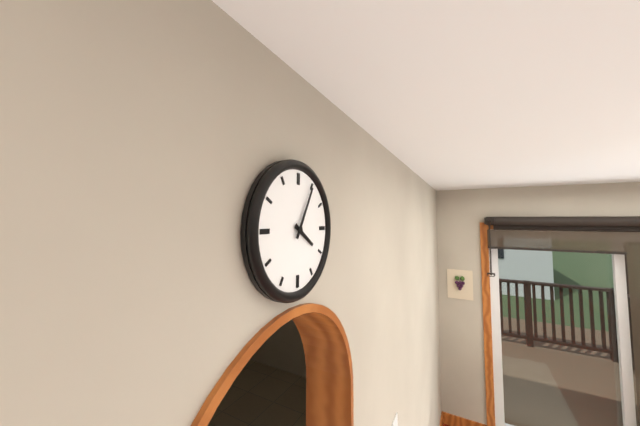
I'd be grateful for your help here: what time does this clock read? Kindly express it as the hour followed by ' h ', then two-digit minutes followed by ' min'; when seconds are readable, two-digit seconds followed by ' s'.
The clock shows 4 h 05 min
